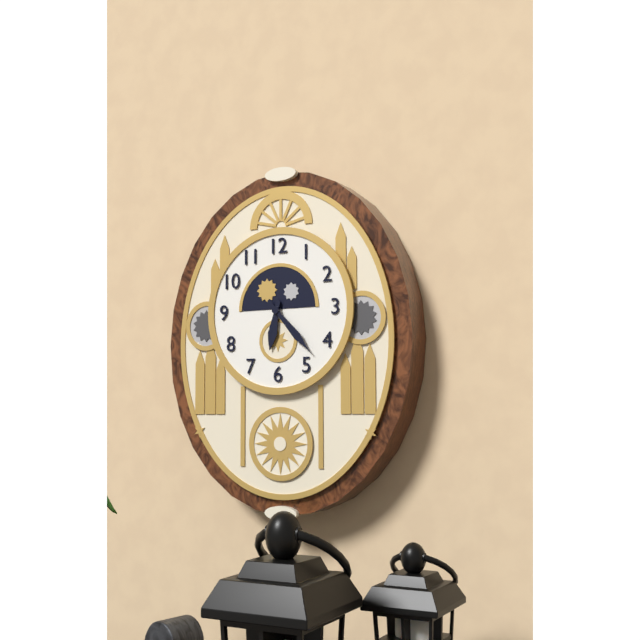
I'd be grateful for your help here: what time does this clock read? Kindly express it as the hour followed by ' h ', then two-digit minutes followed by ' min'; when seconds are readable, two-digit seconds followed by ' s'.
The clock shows 6 h 23 min
